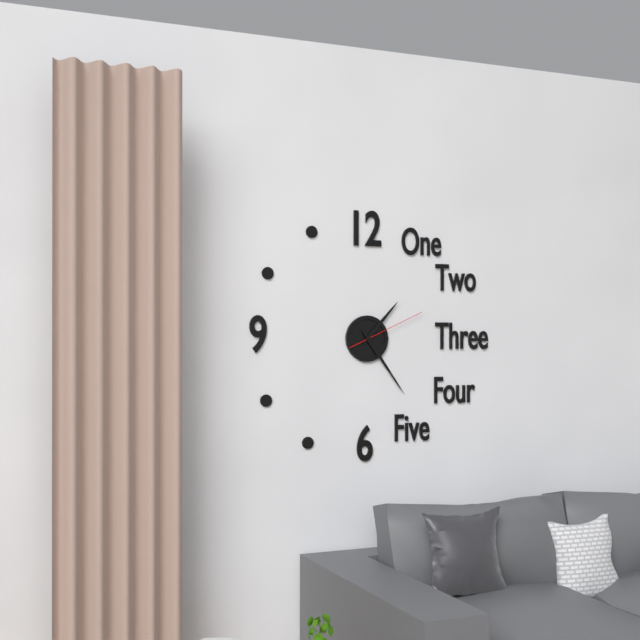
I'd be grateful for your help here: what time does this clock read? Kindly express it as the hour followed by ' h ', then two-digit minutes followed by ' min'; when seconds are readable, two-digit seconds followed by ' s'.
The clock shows 1 h 24 min 11 s
